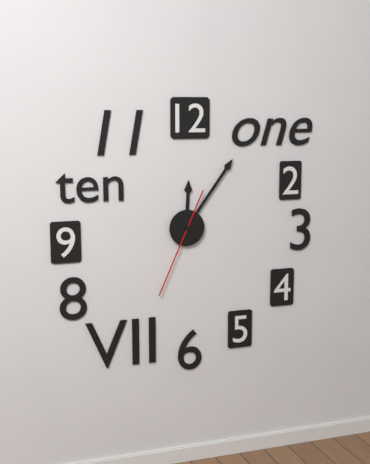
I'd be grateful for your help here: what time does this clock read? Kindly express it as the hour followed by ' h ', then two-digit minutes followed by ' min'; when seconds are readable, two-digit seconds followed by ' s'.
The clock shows 12 h 06 min 34 s
